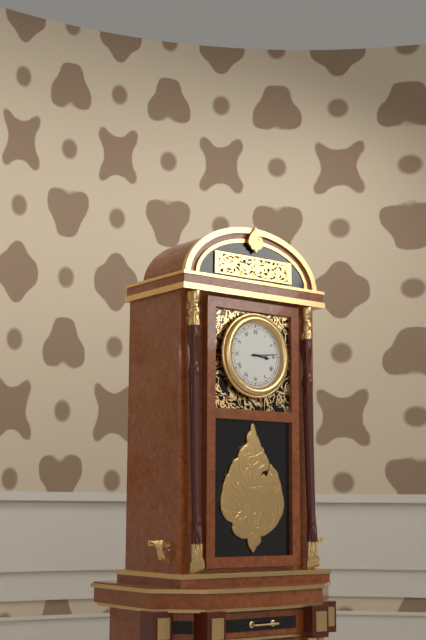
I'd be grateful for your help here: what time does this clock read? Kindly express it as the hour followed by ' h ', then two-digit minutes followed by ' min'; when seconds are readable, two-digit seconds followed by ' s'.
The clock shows 3 h 14 min
